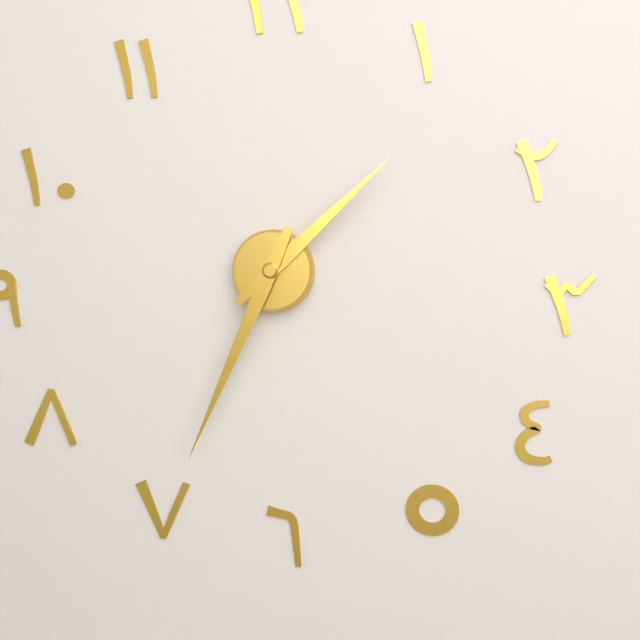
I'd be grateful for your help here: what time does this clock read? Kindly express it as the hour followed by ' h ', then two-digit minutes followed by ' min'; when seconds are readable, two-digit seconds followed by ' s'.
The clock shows 1 h 34 min
